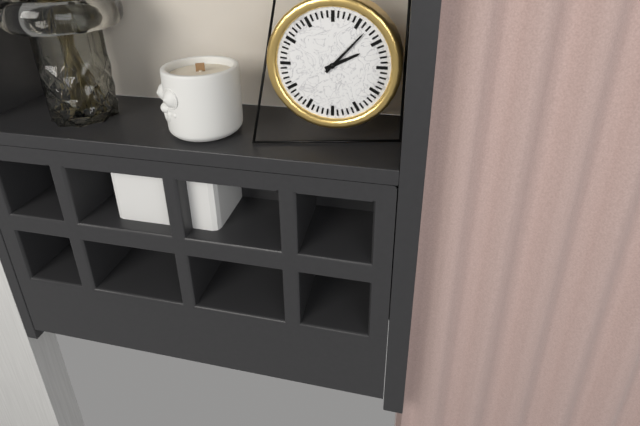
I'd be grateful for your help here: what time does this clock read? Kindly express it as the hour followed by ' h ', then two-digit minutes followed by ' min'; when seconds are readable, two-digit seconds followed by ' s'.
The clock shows 2 h 07 min
